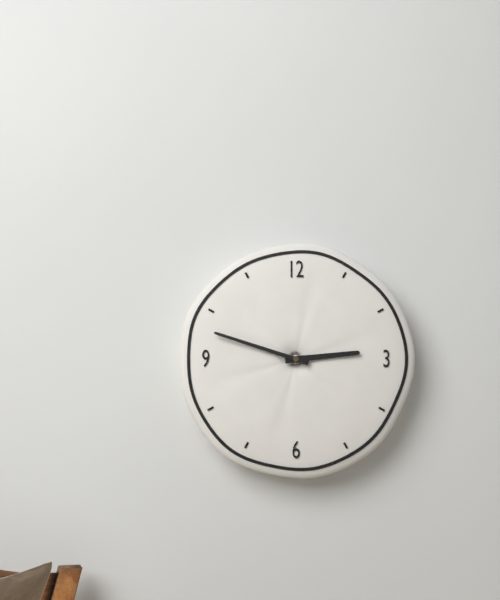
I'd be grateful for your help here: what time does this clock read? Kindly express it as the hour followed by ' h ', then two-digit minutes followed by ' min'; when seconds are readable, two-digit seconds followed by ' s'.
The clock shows 2 h 48 min
